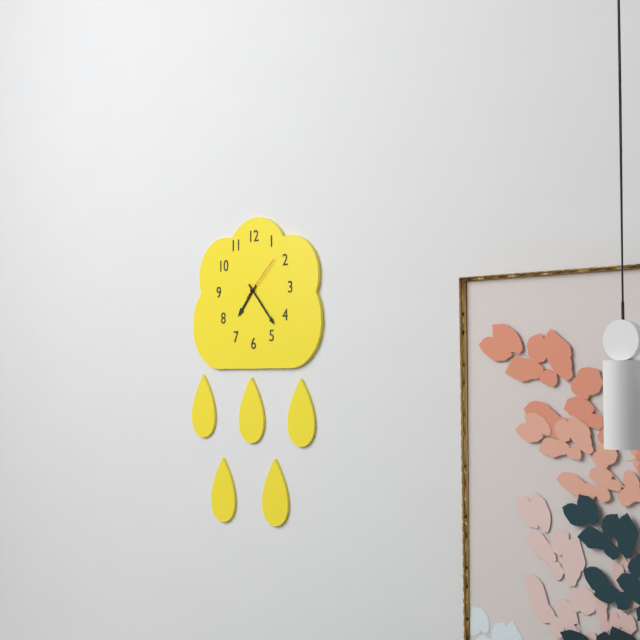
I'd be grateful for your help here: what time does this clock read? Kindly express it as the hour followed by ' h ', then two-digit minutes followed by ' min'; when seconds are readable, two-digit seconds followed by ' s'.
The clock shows 7 h 23 min
